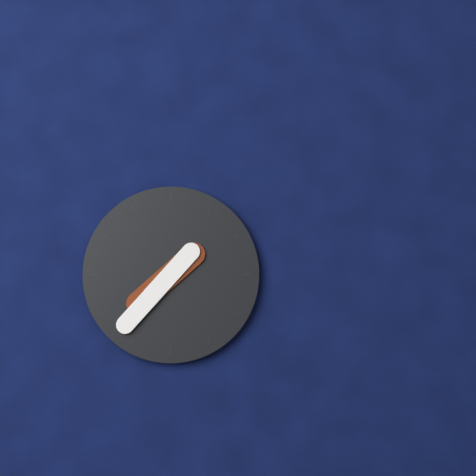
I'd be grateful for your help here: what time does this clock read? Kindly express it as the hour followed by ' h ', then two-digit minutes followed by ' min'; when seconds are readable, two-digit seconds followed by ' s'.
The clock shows 7 h 37 min
